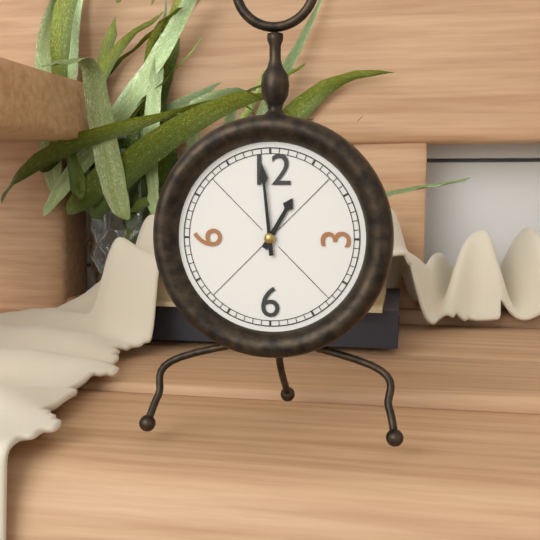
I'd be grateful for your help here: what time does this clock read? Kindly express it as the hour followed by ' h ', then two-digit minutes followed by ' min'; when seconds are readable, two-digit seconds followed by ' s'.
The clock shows 12 h 59 min
